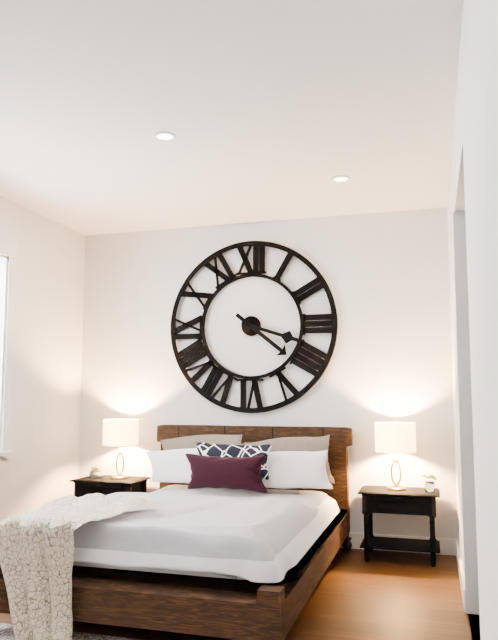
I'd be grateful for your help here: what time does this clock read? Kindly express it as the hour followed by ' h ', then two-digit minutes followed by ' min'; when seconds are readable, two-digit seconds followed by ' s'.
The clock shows 4 h 18 min
